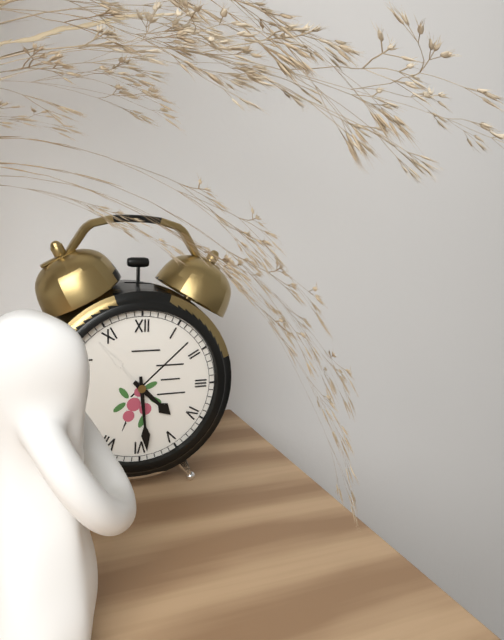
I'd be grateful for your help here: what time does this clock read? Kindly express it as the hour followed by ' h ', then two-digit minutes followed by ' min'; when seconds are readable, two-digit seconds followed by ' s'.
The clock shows 4 h 29 min
